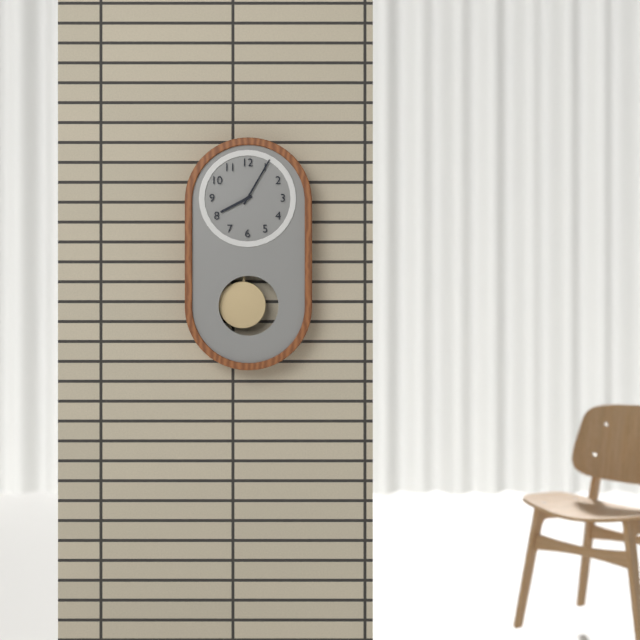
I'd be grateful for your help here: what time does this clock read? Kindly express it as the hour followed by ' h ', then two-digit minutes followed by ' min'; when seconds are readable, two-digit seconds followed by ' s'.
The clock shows 8 h 05 min
